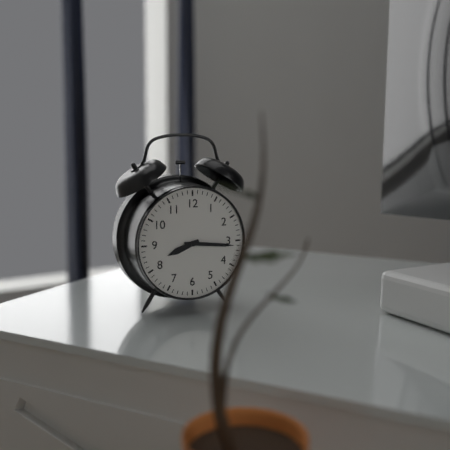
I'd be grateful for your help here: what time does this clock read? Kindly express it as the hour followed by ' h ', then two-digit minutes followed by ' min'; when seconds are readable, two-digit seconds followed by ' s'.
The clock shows 8 h 16 min
